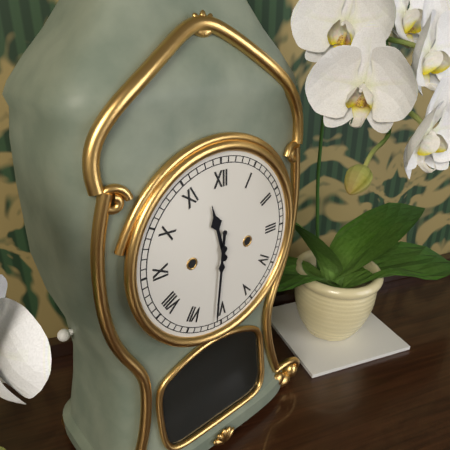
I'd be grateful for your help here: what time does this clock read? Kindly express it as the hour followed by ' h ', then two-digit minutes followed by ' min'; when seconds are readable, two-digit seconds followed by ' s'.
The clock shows 11 h 31 min
